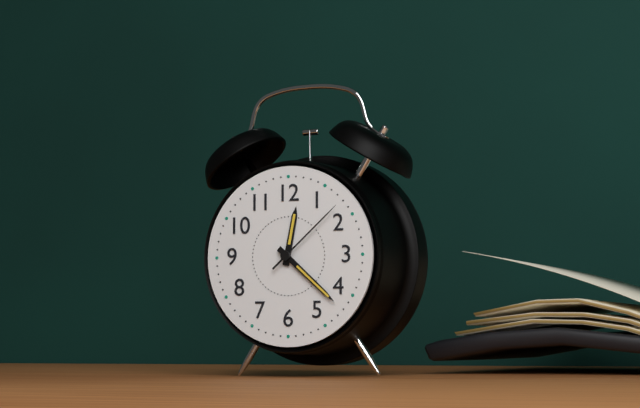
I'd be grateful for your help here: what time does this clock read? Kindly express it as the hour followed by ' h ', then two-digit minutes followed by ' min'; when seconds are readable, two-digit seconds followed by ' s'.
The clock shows 12 h 22 min 08 s
